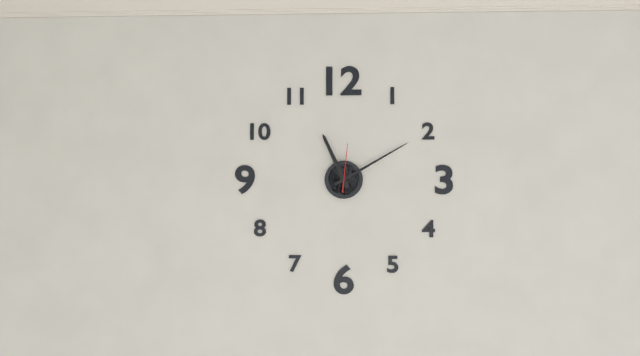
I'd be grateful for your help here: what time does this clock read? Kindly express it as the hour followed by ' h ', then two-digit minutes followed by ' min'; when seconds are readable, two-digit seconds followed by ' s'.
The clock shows 11 h 10 min
